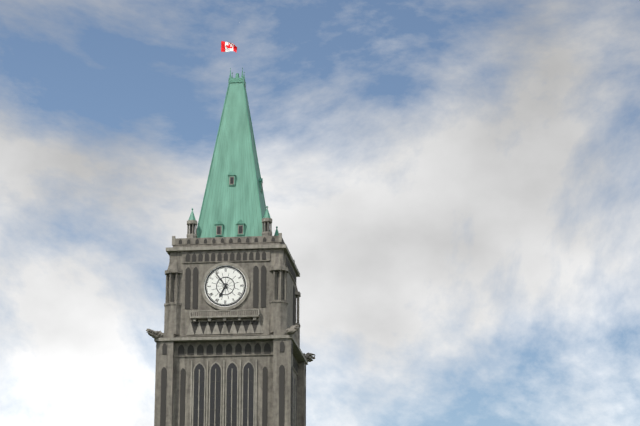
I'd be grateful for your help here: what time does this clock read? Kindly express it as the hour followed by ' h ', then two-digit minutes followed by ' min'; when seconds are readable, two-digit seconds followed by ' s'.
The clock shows 6 h 54 min
